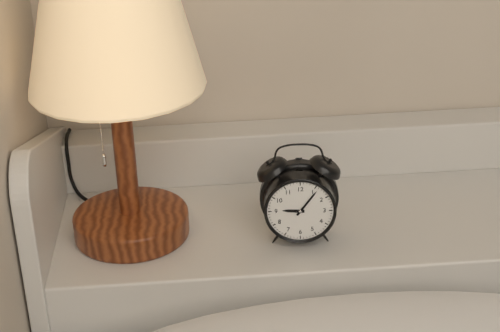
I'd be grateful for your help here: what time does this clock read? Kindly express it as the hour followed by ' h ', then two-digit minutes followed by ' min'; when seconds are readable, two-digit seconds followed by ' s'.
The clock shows 9 h 06 min
